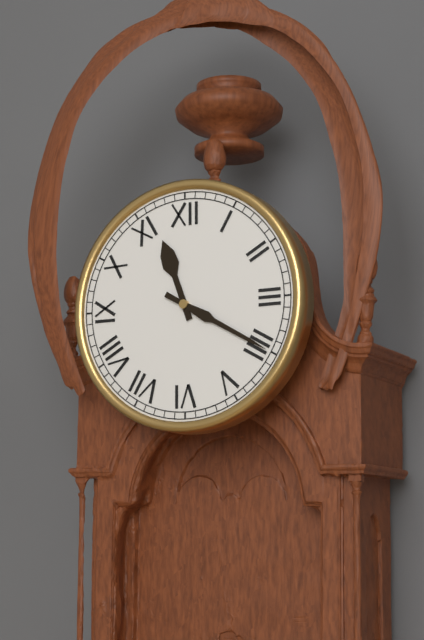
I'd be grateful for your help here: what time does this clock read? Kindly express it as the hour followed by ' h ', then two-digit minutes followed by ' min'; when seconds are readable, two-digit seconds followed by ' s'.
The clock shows 11 h 20 min
